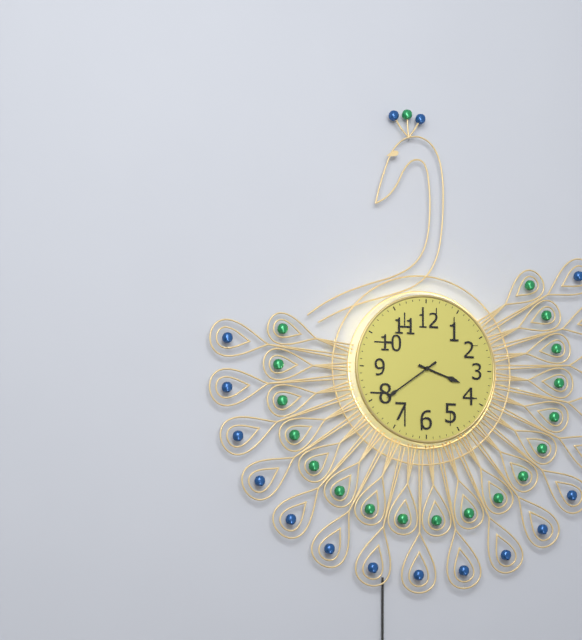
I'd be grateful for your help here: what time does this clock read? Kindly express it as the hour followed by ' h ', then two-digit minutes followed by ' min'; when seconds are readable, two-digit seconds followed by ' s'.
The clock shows 3 h 39 min
